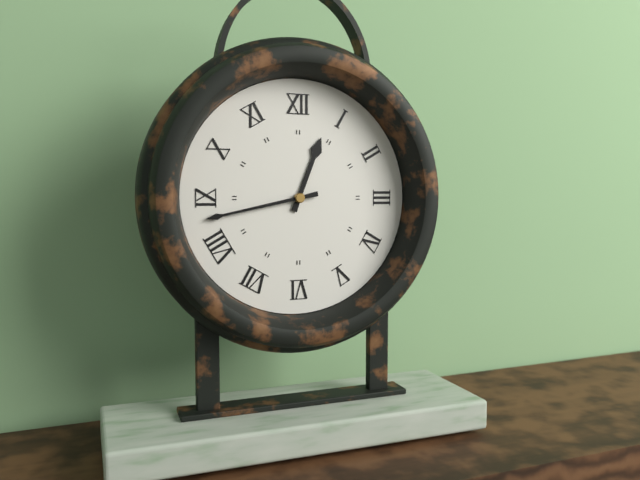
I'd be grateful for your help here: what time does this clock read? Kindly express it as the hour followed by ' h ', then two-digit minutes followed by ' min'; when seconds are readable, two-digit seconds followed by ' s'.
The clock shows 12 h 43 min
